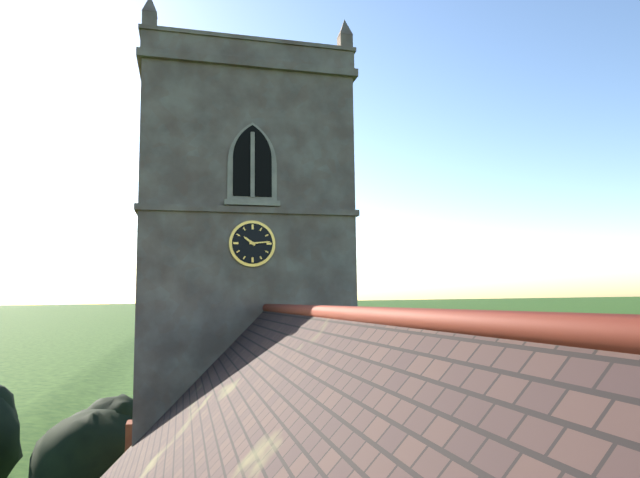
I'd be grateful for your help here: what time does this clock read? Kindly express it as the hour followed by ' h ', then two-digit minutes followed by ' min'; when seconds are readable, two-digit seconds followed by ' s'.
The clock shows 10 h 14 min
